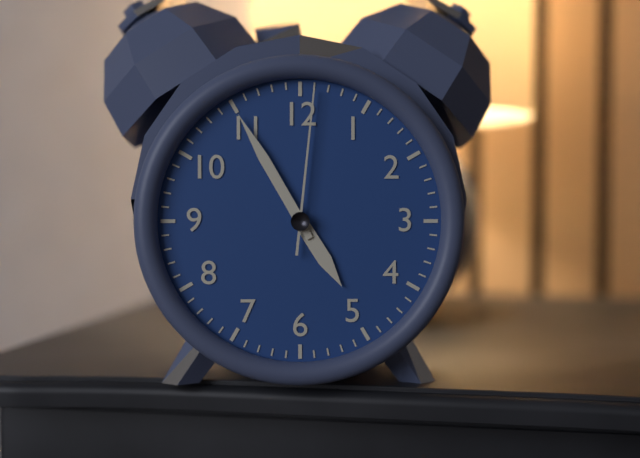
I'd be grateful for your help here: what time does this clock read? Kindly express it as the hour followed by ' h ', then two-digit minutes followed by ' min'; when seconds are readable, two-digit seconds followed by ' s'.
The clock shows 4 h 55 min 01 s
